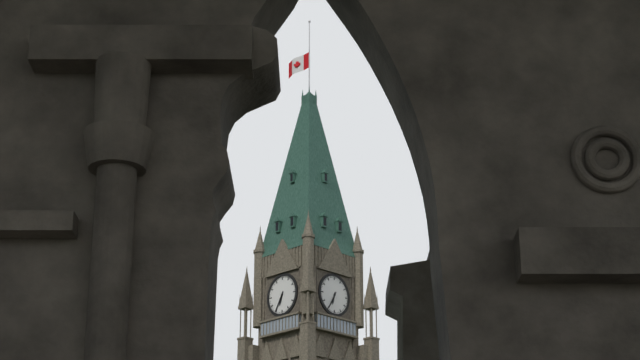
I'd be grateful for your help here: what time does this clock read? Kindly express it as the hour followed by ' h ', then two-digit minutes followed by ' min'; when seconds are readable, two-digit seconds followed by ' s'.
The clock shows 6 h 35 min
